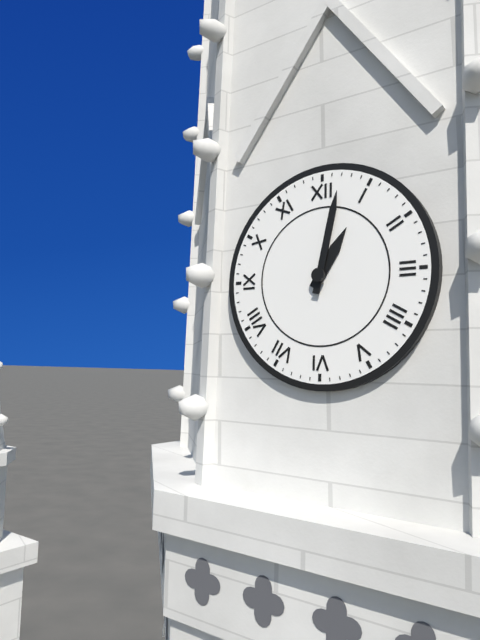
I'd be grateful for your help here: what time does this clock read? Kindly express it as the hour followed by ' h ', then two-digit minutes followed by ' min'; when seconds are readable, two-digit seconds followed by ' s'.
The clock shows 1 h 02 min
